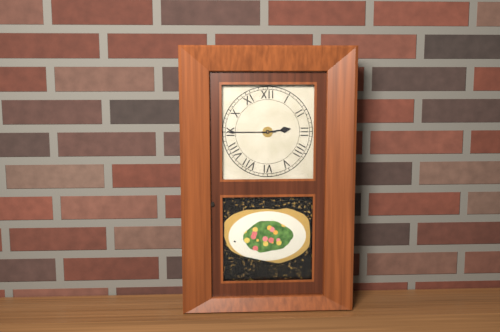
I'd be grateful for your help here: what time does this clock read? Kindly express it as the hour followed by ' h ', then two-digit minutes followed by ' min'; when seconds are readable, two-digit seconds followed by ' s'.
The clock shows 2 h 45 min
